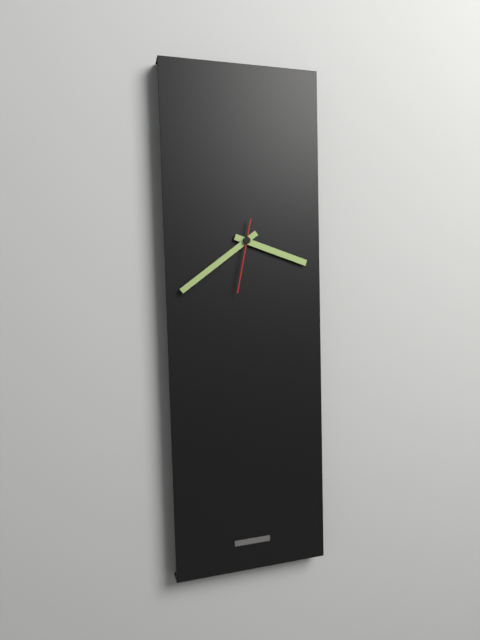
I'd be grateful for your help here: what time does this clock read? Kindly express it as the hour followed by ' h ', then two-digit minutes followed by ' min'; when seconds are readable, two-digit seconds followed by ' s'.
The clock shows 3 h 39 min 32 s
